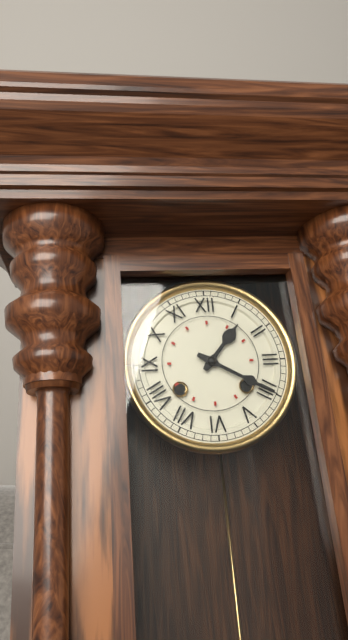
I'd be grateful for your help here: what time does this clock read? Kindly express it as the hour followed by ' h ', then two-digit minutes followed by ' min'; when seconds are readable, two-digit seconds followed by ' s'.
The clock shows 1 h 20 min
